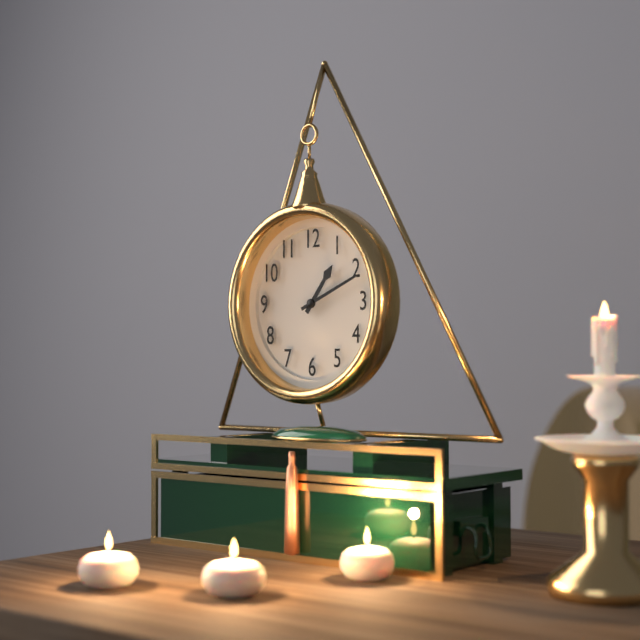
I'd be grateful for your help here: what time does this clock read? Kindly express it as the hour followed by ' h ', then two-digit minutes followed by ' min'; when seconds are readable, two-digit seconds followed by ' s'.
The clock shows 1 h 11 min
